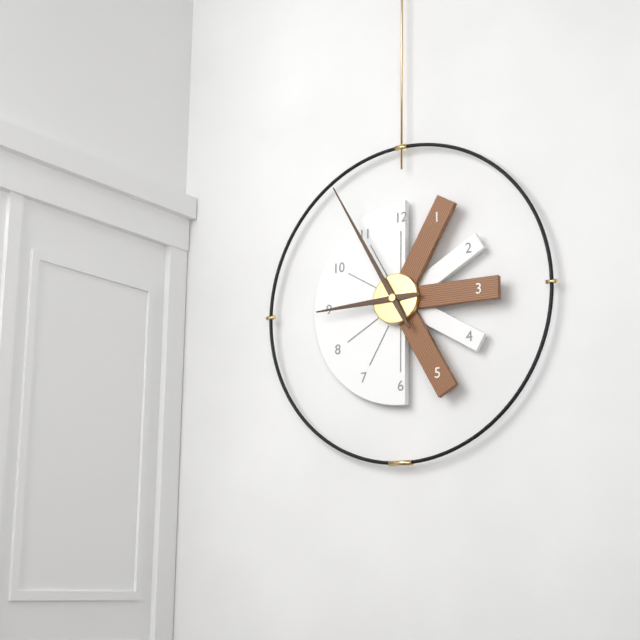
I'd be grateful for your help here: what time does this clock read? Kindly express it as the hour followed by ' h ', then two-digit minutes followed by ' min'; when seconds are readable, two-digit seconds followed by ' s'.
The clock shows 8 h 55 min
